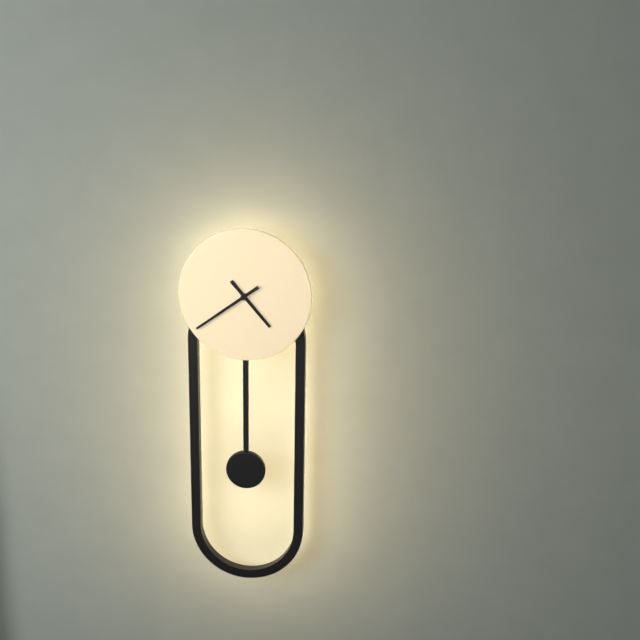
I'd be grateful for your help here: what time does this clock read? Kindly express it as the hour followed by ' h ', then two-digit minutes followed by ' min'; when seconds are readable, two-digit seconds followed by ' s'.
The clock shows 4 h 39 min
